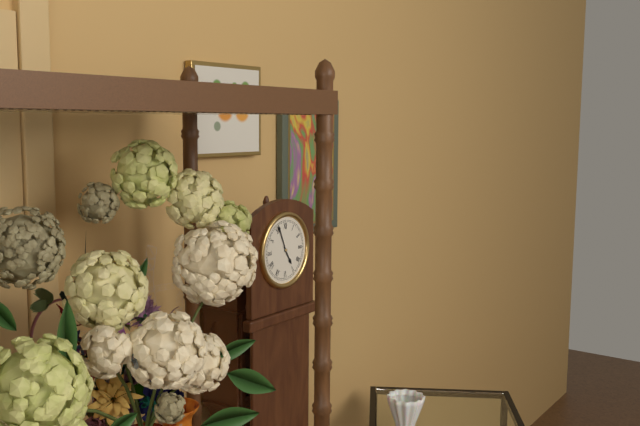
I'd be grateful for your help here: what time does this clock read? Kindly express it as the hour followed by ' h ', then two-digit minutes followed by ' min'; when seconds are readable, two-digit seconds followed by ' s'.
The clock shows 4 h 56 min
